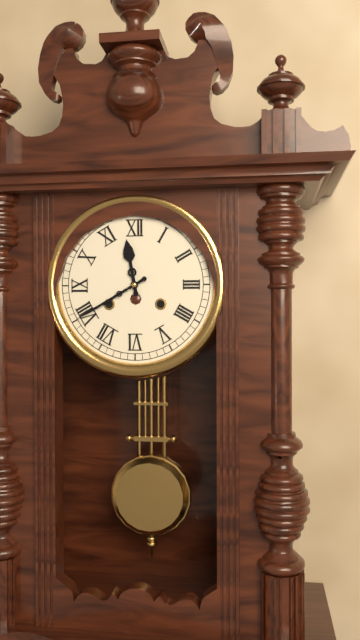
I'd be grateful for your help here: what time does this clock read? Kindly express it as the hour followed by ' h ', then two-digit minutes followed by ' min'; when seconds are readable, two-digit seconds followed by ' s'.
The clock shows 11 h 40 min
